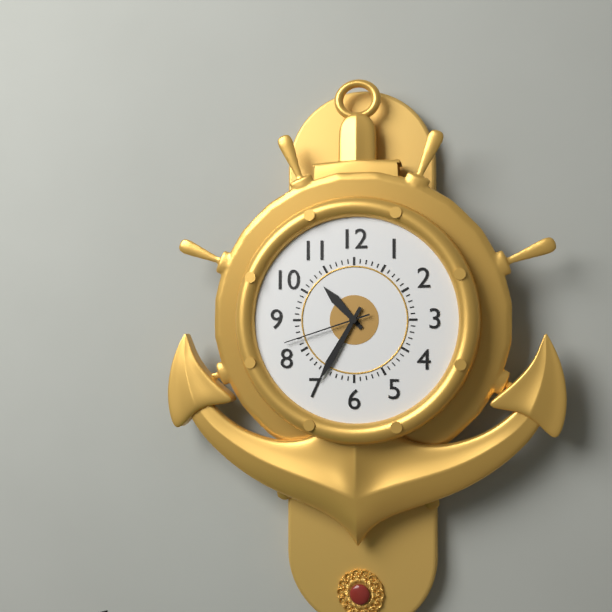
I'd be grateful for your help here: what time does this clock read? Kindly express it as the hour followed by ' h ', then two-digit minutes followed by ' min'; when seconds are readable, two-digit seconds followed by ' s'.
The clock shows 10 h 35 min 42 s
